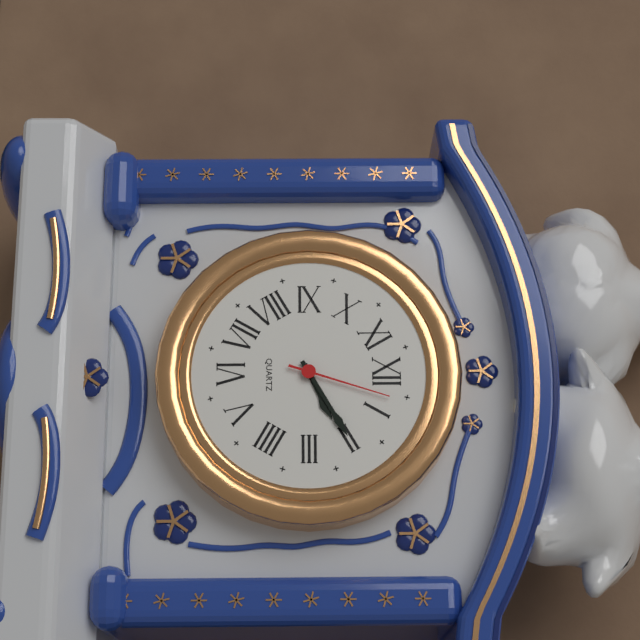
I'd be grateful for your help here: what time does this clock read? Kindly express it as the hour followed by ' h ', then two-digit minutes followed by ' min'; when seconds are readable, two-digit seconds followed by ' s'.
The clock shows 2 h 10 min 03 s
